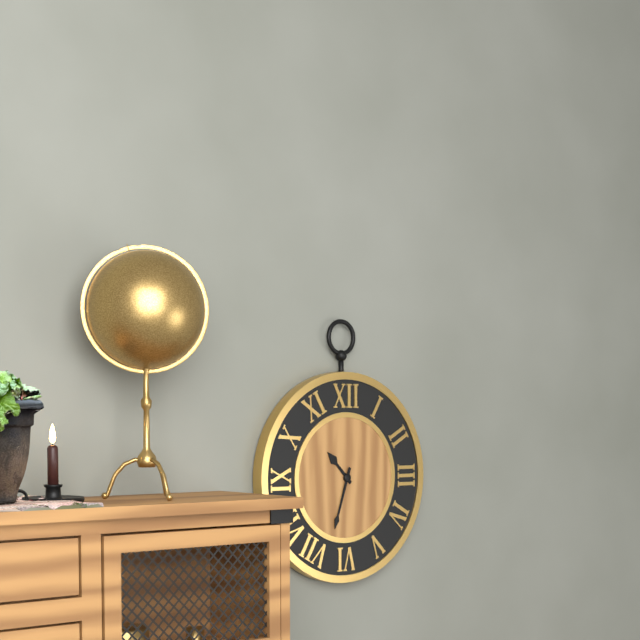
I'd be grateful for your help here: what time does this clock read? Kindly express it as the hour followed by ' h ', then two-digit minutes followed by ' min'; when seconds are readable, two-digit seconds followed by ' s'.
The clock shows 10 h 33 min
